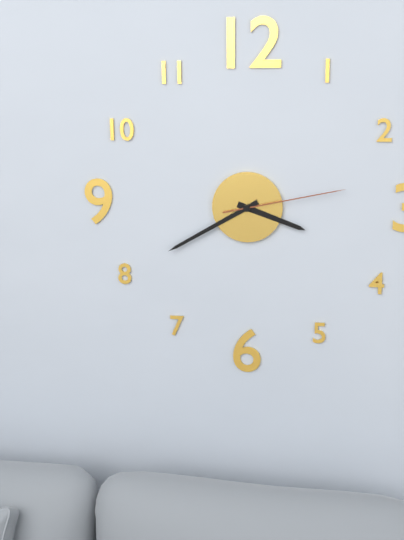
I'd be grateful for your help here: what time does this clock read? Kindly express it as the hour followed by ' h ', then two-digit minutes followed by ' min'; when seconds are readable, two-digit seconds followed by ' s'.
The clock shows 3 h 40 min 13 s
